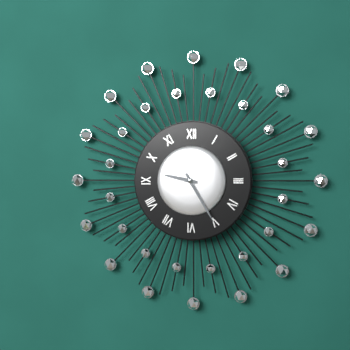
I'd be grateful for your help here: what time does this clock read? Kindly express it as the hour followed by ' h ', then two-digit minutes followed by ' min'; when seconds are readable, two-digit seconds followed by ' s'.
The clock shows 9 h 25 min
